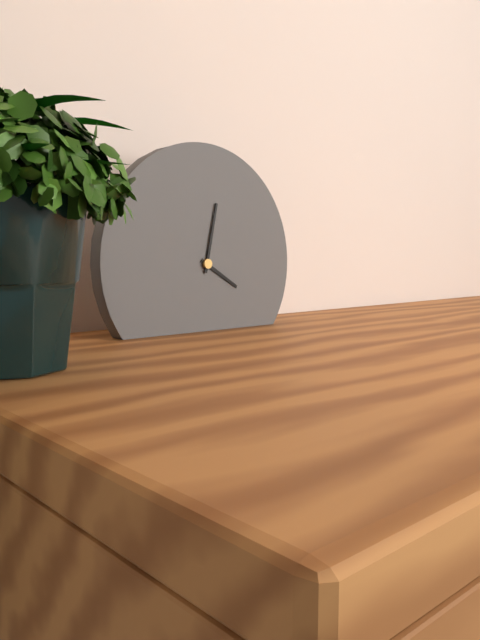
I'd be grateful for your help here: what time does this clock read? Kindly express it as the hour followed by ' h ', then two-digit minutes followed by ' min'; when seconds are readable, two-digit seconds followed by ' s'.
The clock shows 4 h 02 min
